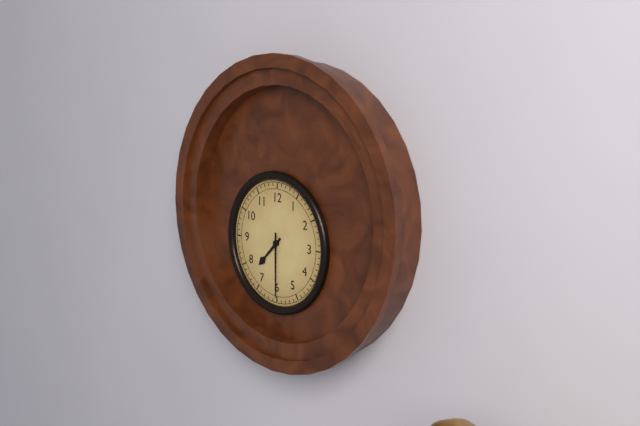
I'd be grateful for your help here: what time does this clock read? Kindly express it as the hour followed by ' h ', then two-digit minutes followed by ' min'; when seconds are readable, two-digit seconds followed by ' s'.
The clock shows 7 h 30 min
